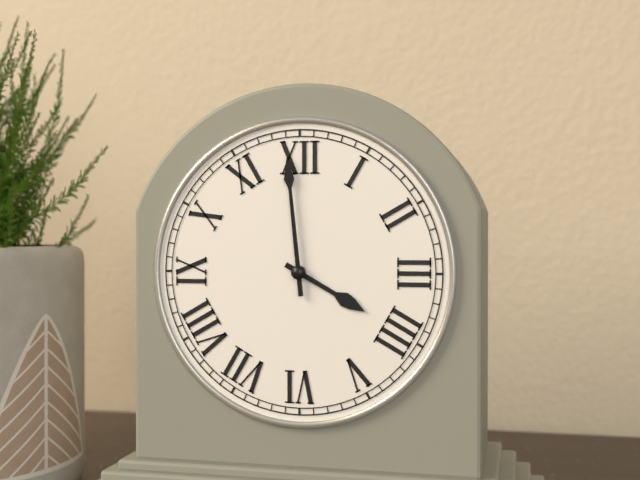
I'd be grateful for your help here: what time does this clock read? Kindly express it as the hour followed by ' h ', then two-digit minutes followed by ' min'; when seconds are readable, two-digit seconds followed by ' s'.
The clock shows 3 h 59 min
